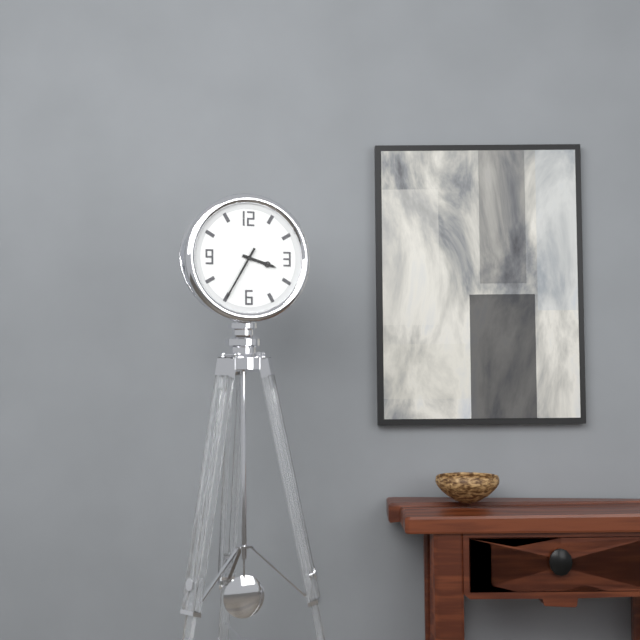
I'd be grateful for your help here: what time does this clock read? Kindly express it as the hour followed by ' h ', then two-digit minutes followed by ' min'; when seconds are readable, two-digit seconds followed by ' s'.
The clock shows 3 h 35 min
